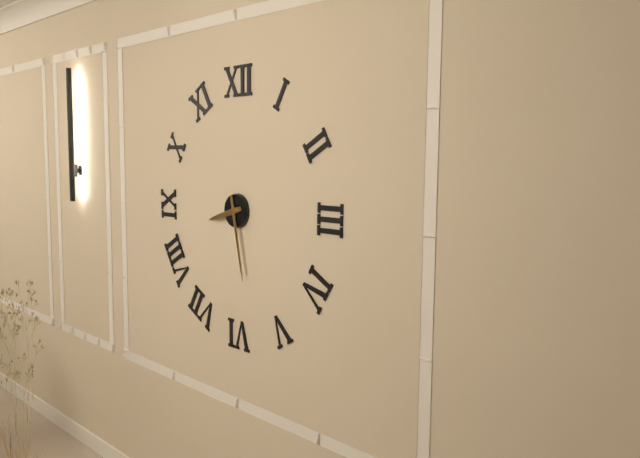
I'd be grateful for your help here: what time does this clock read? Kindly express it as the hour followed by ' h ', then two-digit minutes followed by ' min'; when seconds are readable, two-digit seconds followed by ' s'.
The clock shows 8 h 28 min
